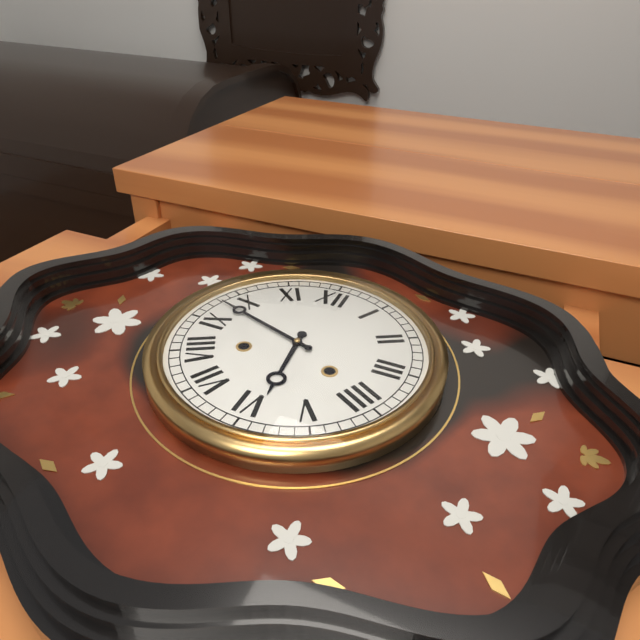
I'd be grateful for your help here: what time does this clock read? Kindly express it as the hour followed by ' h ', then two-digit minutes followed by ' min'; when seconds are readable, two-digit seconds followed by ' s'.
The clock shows 5 h 48 min
